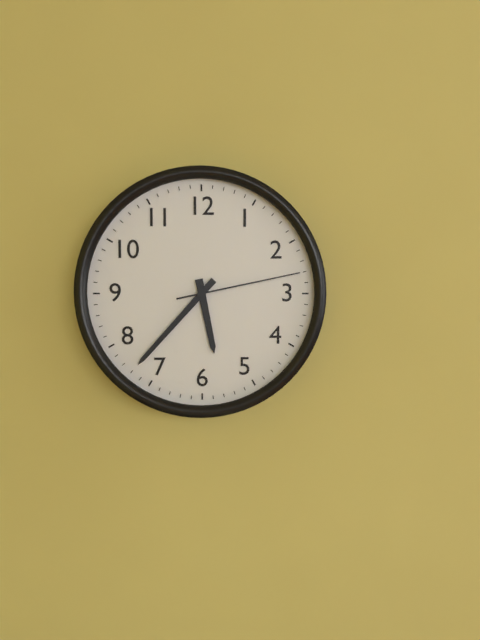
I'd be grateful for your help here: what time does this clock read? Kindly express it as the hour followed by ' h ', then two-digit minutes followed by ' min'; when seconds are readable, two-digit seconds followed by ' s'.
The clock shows 5 h 37 min 13 s
